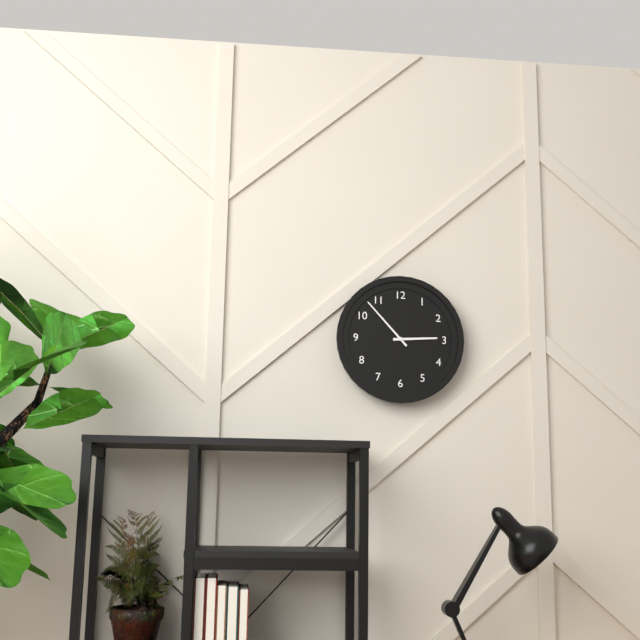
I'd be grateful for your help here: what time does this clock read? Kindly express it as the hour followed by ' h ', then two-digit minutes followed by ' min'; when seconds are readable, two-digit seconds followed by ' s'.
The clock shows 2 h 53 min
